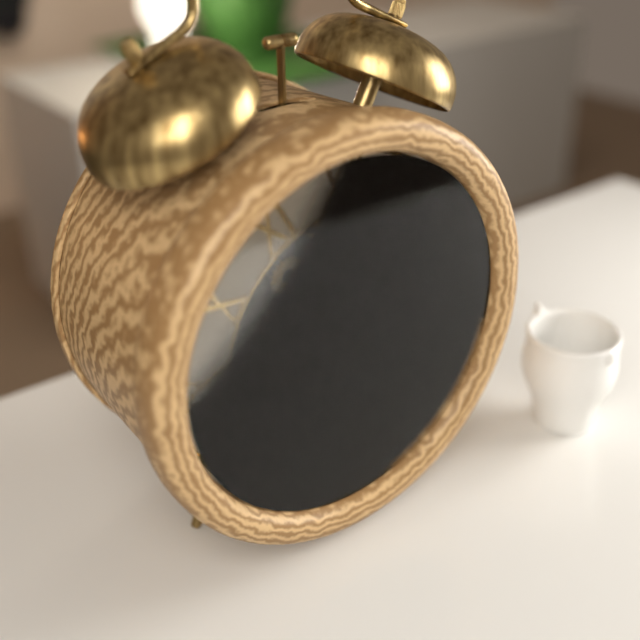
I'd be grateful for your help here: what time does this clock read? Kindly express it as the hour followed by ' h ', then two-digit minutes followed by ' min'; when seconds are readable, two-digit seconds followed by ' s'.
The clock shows 2 h 11 min
